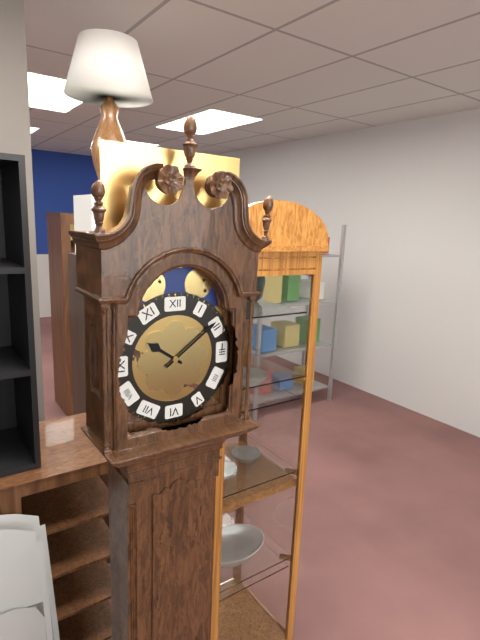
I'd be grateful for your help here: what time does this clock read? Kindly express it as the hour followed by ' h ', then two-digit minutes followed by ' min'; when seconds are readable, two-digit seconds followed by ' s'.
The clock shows 10 h 09 min
